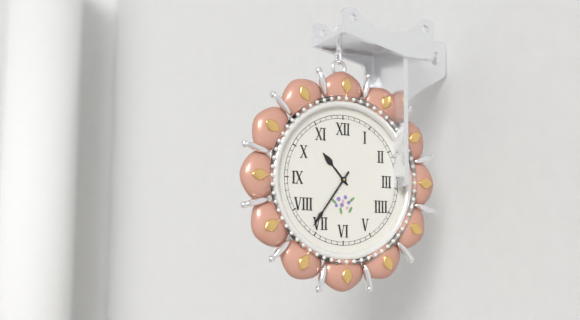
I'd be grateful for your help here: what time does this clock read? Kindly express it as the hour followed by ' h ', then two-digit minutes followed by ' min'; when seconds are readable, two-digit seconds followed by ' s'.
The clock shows 10 h 36 min
